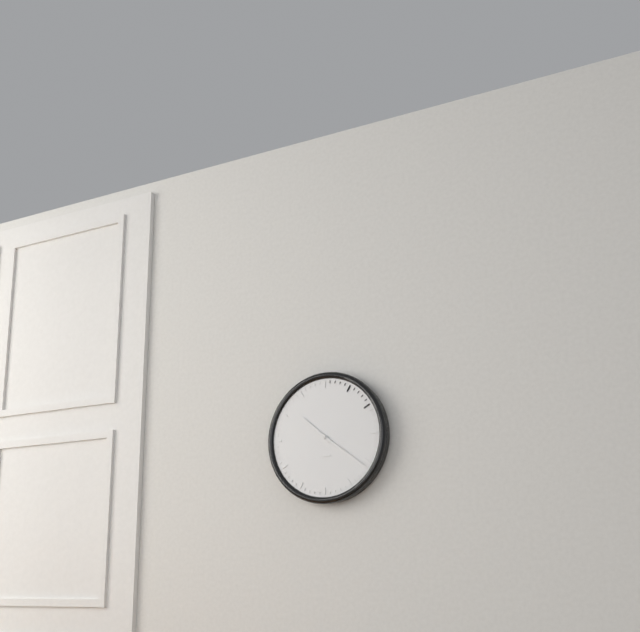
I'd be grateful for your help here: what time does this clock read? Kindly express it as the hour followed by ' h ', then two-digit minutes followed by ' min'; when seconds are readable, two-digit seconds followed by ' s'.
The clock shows 10 h 21 min
